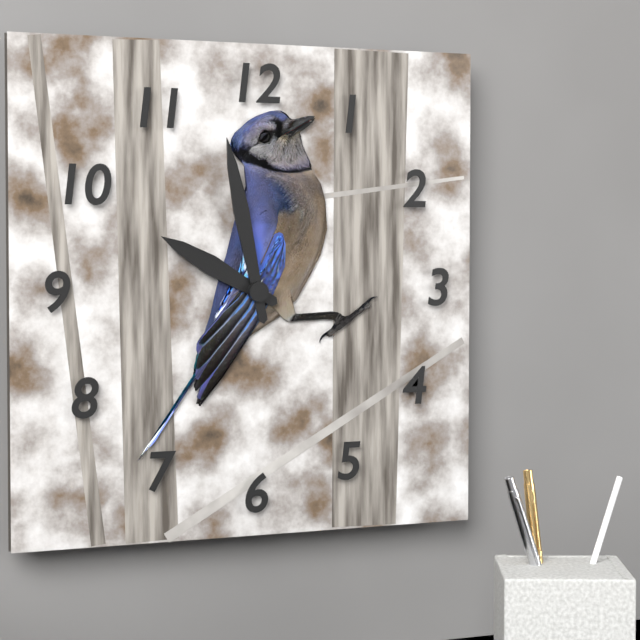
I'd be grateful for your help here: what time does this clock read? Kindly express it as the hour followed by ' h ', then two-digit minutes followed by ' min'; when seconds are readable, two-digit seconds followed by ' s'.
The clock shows 9 h 58 min
